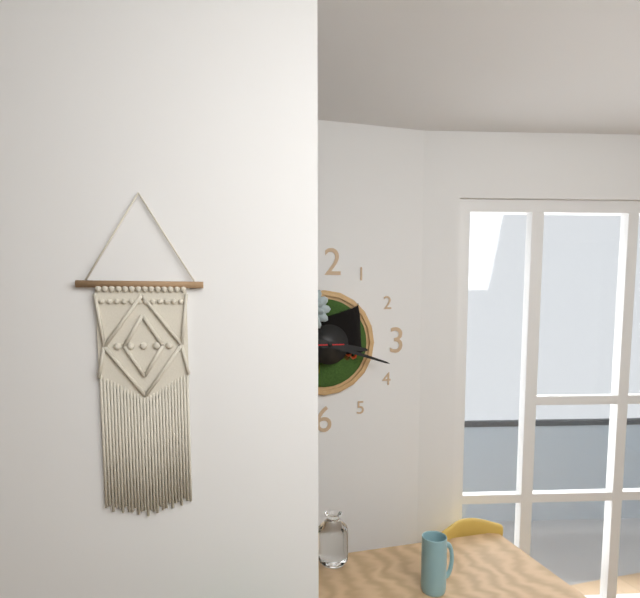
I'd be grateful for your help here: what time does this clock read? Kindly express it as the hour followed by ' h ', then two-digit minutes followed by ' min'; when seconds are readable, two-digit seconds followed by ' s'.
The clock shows 3 h 18 min
